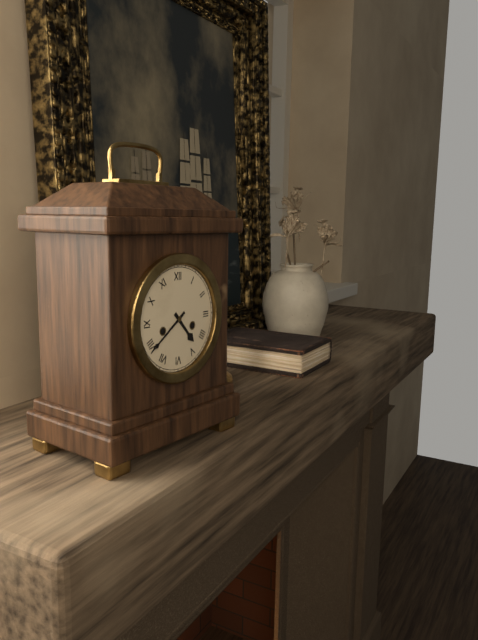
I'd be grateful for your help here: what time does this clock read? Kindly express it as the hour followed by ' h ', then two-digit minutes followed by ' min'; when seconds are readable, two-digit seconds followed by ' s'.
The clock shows 4 h 39 min
